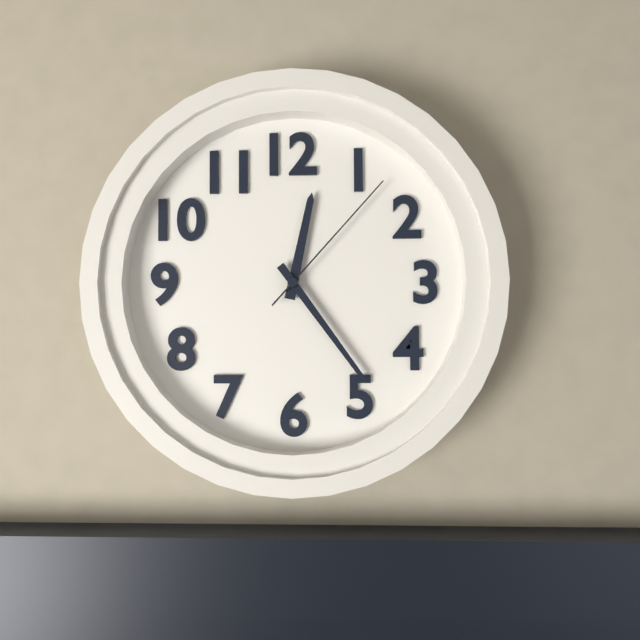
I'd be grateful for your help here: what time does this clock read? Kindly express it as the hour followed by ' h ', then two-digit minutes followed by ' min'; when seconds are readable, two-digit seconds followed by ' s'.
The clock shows 12 h 24 min 07 s
